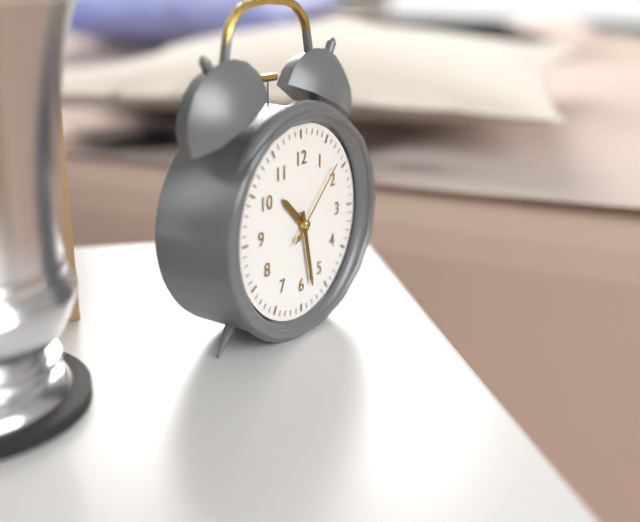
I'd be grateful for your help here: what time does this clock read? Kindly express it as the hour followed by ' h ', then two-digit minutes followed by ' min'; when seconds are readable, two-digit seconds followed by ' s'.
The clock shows 10 h 28 min 08 s
